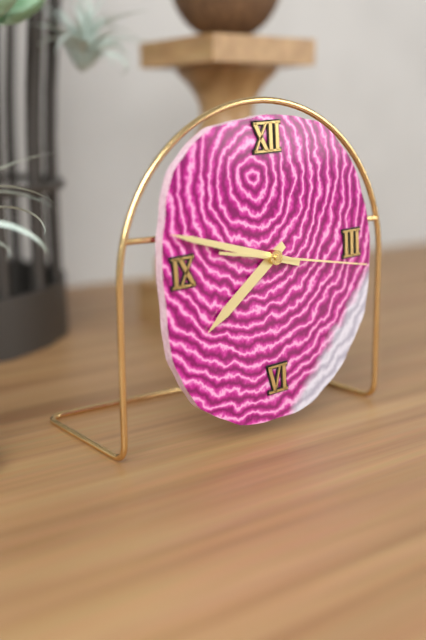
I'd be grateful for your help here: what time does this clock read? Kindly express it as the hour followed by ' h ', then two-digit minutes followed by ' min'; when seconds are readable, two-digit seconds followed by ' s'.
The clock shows 7 h 48 min 17 s
